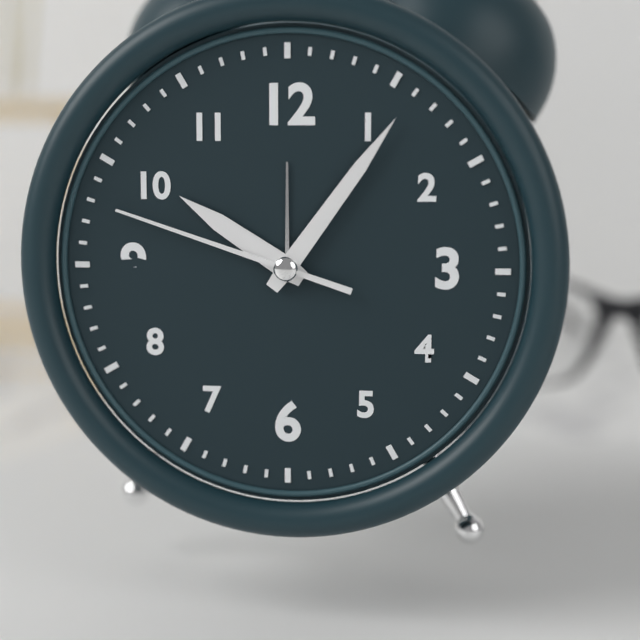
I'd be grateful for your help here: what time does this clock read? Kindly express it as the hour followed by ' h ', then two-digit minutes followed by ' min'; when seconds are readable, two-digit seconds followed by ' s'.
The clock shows 10 h 06 min 48 s
